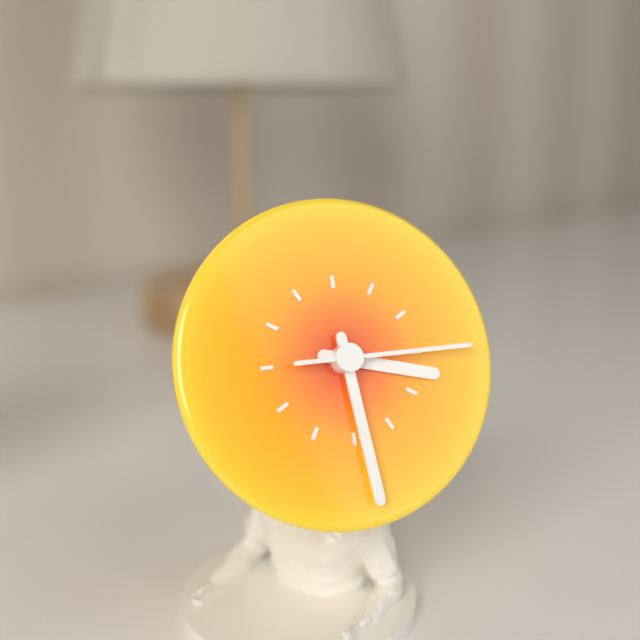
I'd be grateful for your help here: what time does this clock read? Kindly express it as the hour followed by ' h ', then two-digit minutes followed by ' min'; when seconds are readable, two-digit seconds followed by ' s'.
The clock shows 3 h 29 min 15 s
